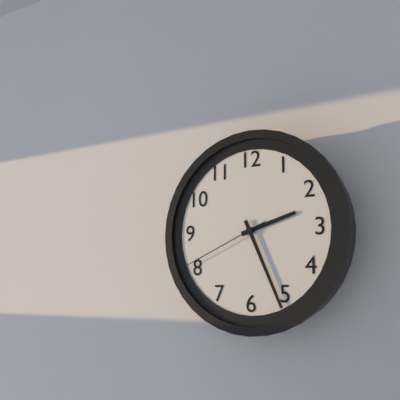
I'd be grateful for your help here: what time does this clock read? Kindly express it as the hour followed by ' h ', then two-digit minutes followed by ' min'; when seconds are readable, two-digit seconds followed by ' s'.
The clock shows 2 h 26 min 41 s
